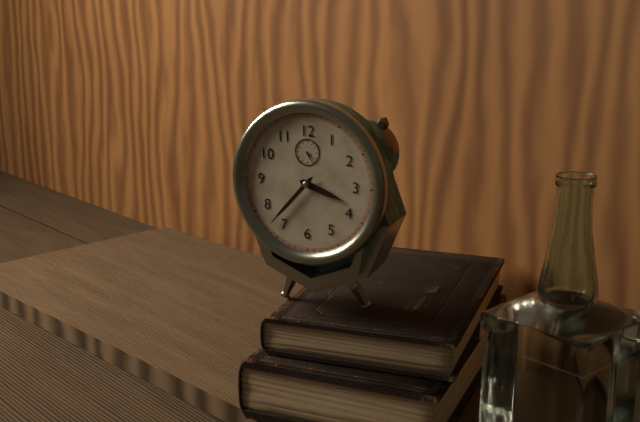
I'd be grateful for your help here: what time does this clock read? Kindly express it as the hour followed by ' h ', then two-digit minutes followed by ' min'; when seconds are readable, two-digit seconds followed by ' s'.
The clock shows 3 h 37 min
